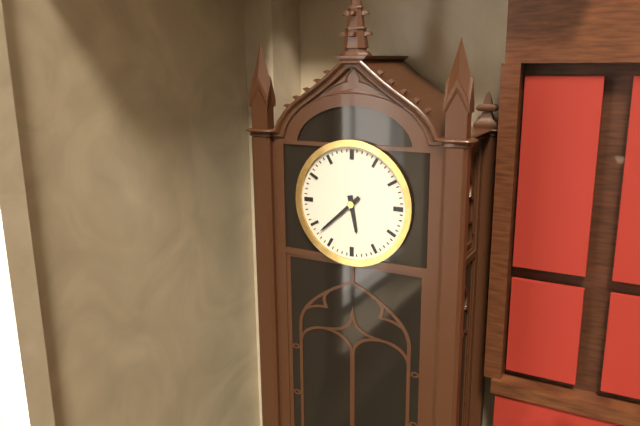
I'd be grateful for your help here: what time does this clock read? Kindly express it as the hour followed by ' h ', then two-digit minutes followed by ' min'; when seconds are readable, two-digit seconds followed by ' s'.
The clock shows 5 h 38 min
